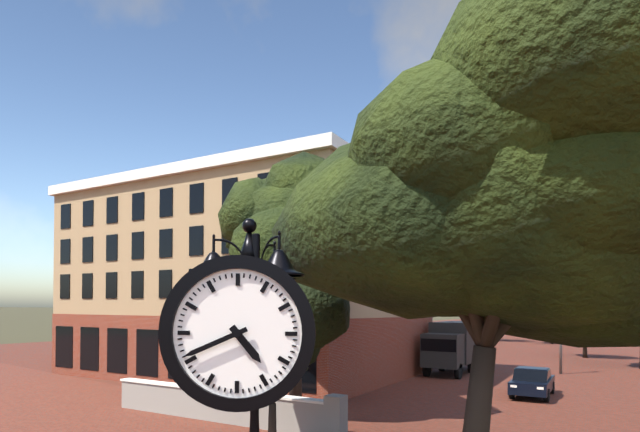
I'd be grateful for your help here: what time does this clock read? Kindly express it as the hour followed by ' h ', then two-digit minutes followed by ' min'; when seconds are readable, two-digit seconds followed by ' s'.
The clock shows 4 h 41 min
